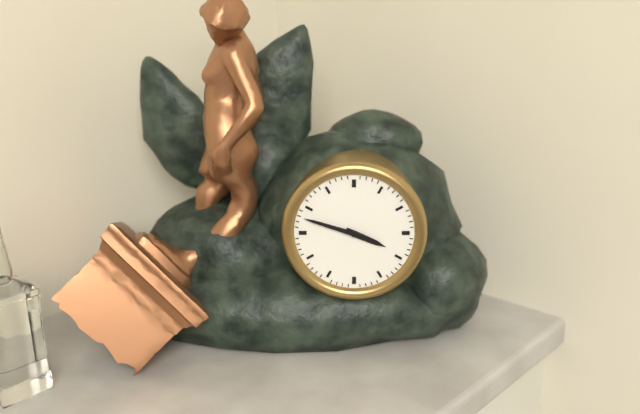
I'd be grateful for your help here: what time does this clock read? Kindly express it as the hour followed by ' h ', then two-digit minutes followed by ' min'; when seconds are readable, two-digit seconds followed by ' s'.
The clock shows 3 h 48 min
